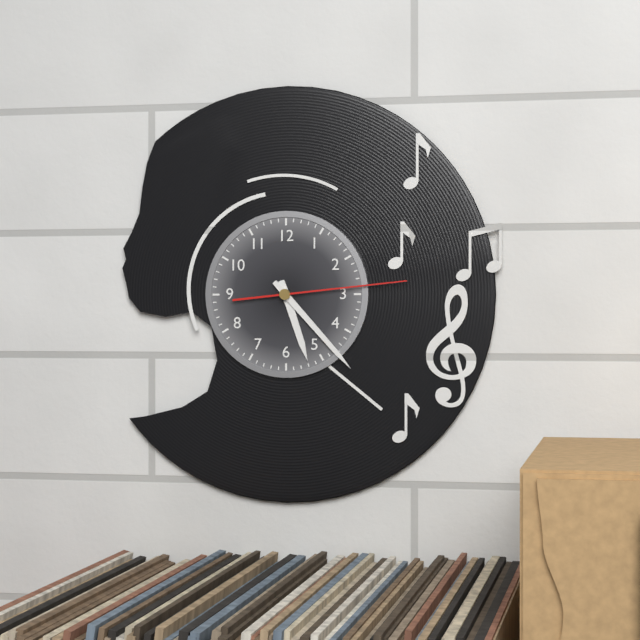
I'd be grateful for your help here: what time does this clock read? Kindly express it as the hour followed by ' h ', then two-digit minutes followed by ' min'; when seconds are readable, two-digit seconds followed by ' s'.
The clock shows 5 h 23 min 14 s
